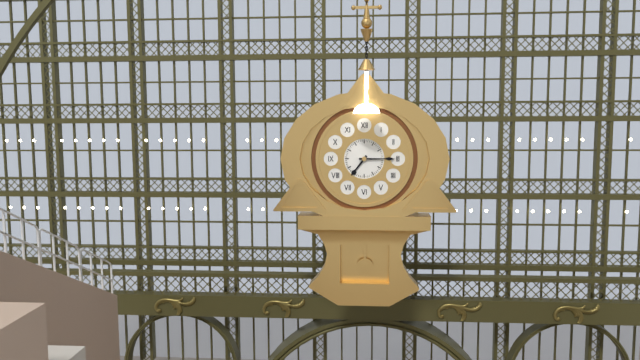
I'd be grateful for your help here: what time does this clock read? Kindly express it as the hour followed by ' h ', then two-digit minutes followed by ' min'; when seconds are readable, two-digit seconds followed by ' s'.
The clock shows 7 h 15 min
